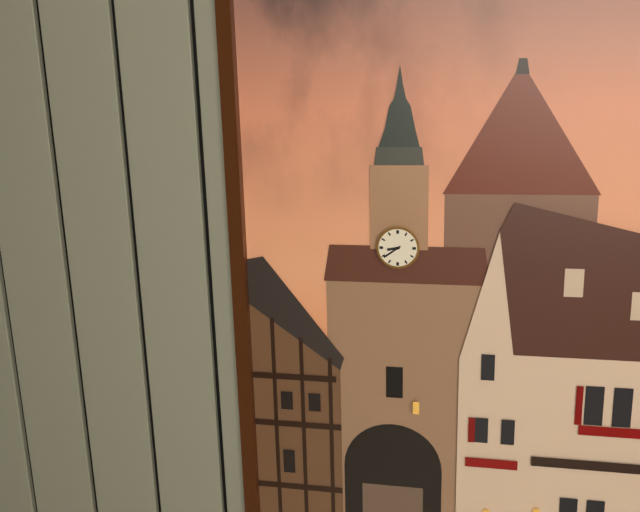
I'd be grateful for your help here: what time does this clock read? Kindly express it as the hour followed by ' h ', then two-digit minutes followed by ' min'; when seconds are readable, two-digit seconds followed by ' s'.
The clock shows 8 h 39 min
